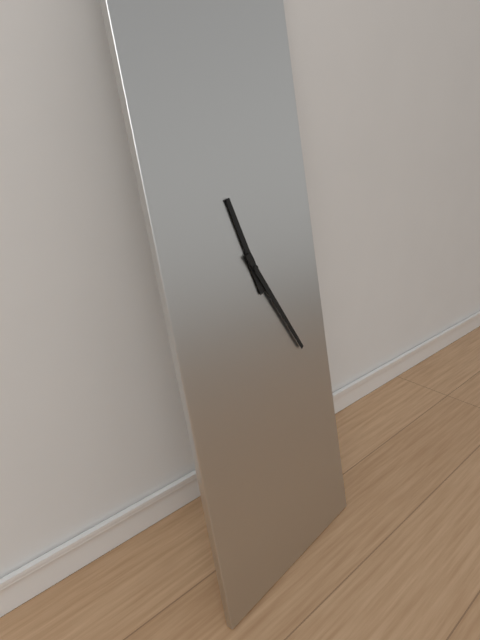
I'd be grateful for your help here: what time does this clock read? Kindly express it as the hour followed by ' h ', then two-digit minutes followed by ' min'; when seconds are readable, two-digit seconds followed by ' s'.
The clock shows 11 h 25 min
